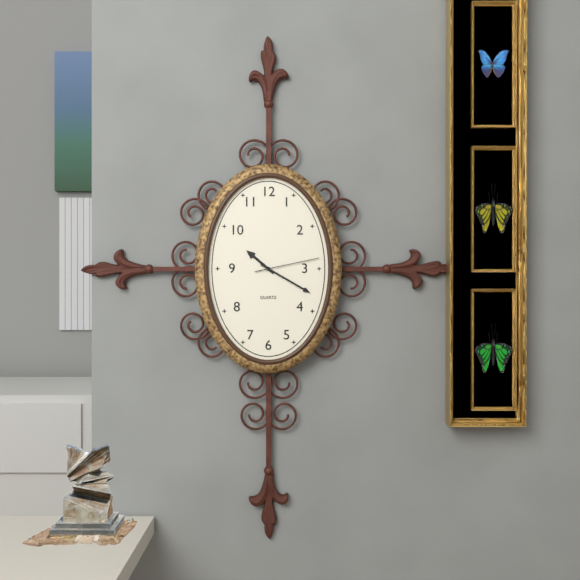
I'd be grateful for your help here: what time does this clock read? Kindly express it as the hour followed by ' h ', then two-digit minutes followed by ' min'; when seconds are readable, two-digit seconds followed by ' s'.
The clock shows 10 h 20 min 13 s
